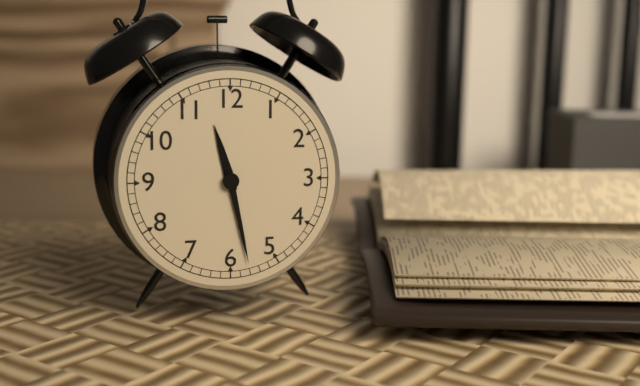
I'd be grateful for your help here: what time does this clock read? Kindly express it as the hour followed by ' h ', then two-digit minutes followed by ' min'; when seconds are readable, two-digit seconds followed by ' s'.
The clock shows 11 h 28 min
